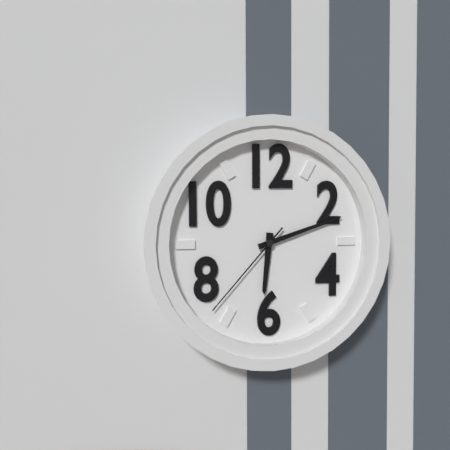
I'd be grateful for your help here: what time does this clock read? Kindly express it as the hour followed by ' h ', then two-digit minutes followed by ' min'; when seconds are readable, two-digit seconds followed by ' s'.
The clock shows 6 h 12 min 37 s
